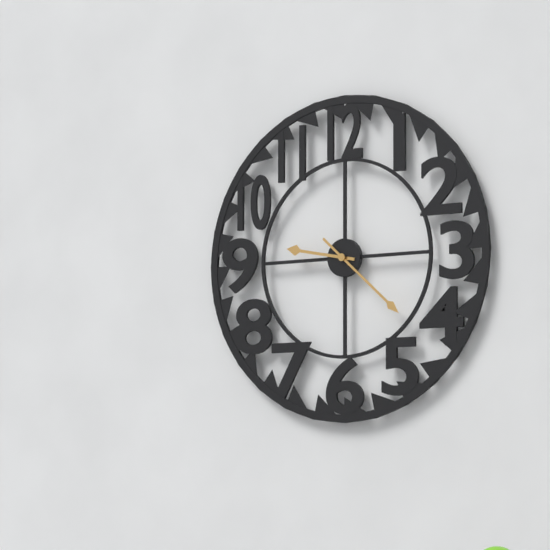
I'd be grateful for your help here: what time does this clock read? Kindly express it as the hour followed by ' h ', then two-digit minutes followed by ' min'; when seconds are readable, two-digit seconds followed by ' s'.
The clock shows 9 h 22 min
